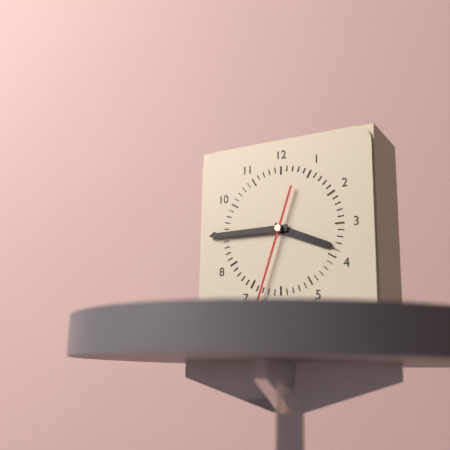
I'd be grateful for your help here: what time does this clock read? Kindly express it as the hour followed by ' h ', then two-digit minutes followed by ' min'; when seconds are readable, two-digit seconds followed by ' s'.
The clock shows 3 h 45 min 33 s
